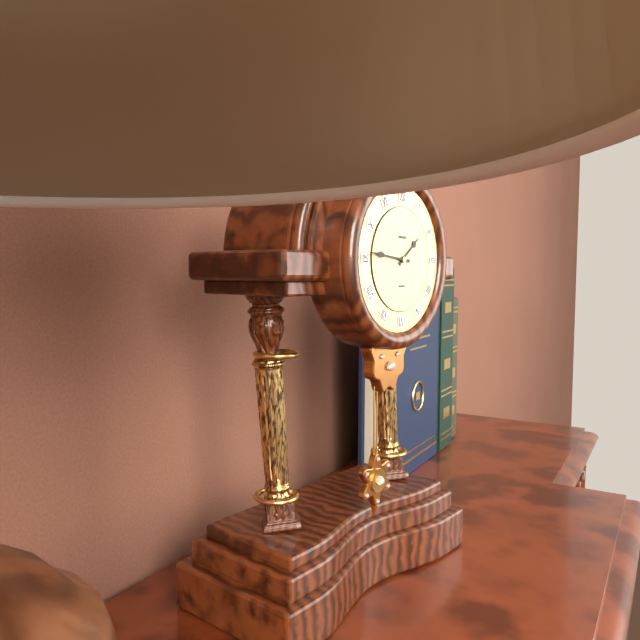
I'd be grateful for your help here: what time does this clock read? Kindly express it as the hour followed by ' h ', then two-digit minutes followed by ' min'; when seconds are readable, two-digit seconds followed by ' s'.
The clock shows 1 h 46 min
